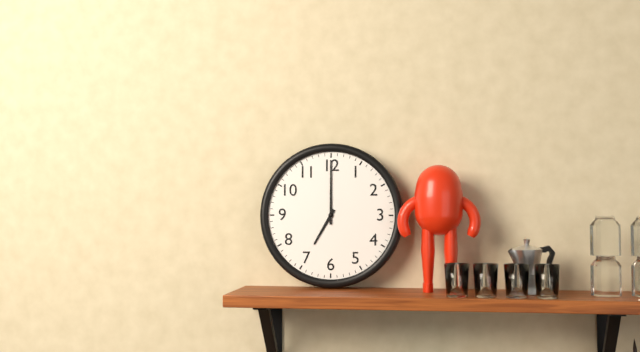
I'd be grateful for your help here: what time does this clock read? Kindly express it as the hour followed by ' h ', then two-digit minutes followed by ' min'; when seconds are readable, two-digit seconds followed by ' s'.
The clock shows 7 h 00 min
